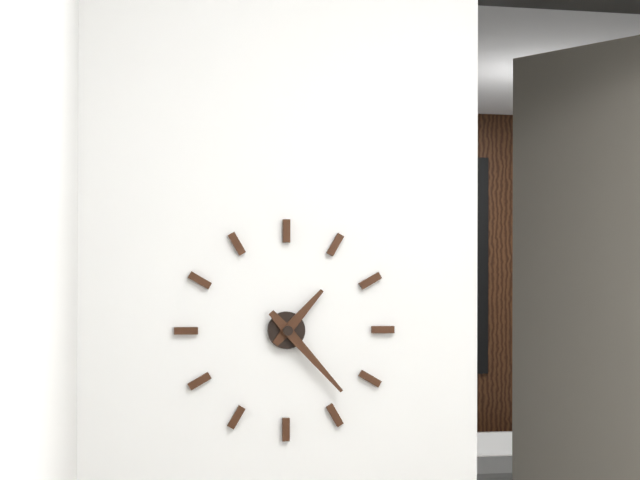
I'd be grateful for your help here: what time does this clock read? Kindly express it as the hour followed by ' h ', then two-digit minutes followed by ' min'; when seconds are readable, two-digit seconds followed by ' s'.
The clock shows 1 h 23 min
